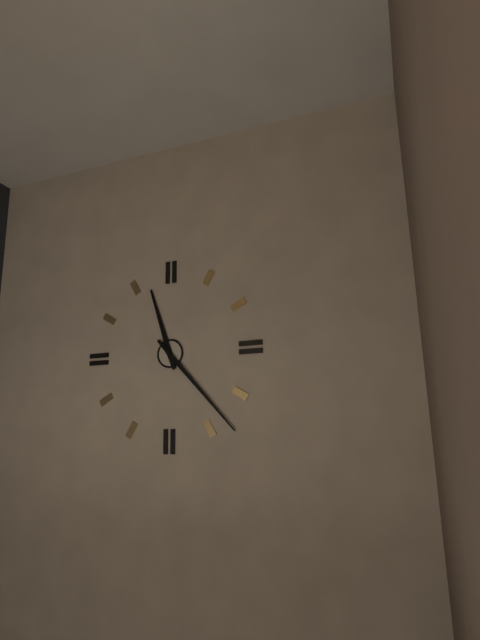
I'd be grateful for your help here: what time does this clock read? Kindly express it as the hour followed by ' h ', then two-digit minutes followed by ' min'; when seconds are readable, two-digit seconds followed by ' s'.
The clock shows 11 h 23 min
